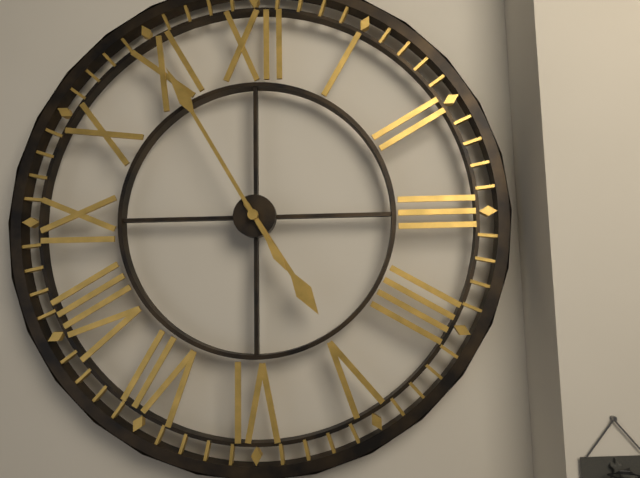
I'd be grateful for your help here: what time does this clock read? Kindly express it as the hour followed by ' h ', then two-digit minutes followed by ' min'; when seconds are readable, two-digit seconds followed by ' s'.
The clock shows 4 h 55 min
